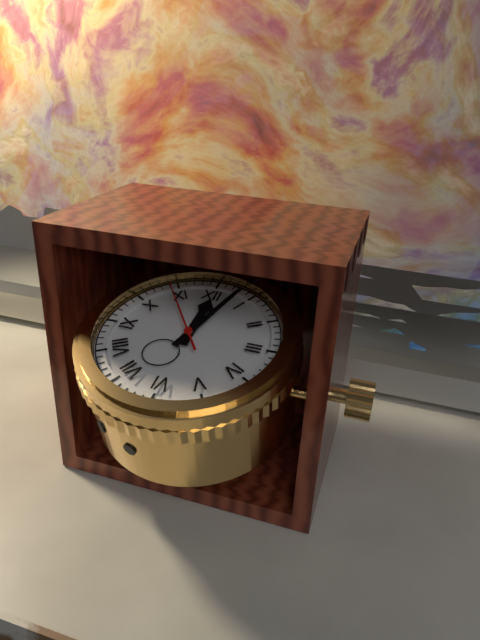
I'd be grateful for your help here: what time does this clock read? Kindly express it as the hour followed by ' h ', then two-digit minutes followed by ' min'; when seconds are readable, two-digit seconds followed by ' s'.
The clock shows 12 h 03 min 54 s
